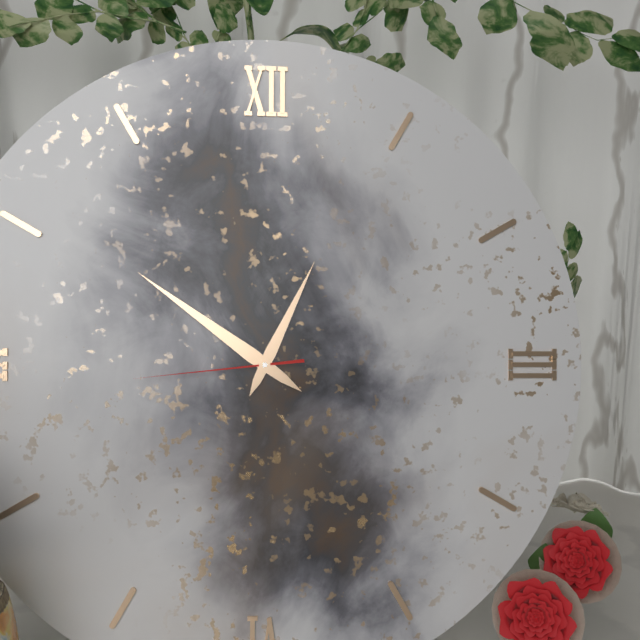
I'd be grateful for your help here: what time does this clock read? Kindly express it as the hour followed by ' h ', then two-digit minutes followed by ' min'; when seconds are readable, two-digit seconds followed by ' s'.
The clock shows 12 h 51 min 44 s
